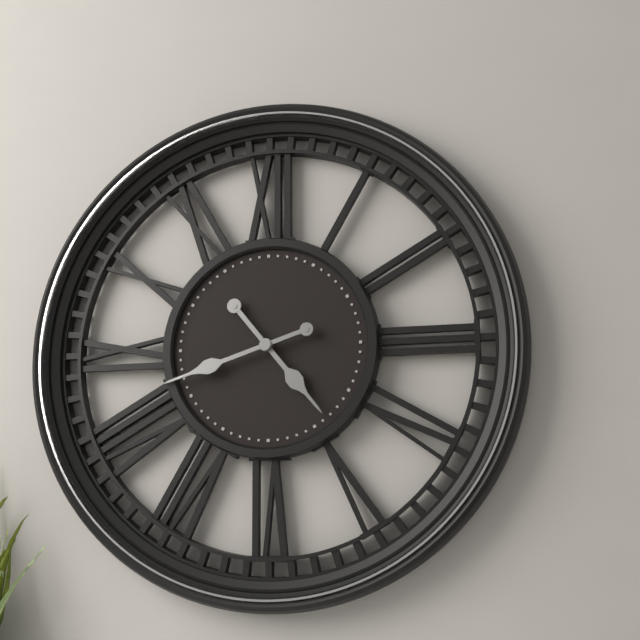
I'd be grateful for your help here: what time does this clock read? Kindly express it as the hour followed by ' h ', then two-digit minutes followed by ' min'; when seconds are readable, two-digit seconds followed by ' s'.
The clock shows 4 h 42 min
